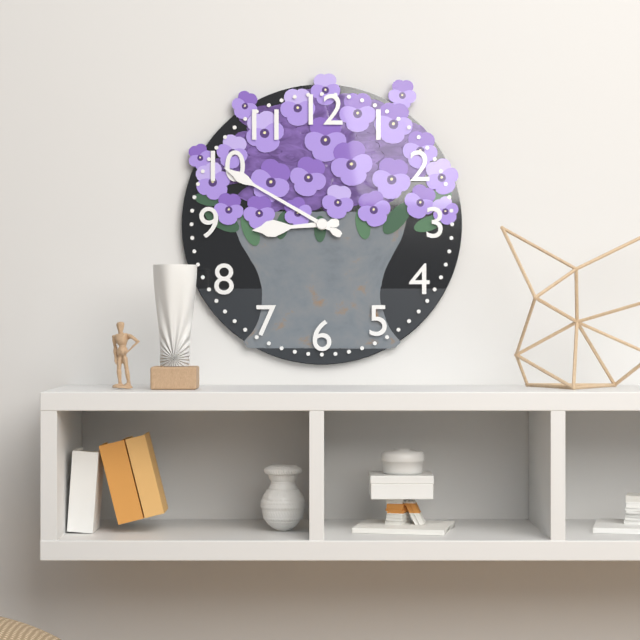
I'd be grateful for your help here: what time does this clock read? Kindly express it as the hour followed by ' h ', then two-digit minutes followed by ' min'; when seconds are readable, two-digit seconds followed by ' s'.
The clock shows 8 h 50 min
